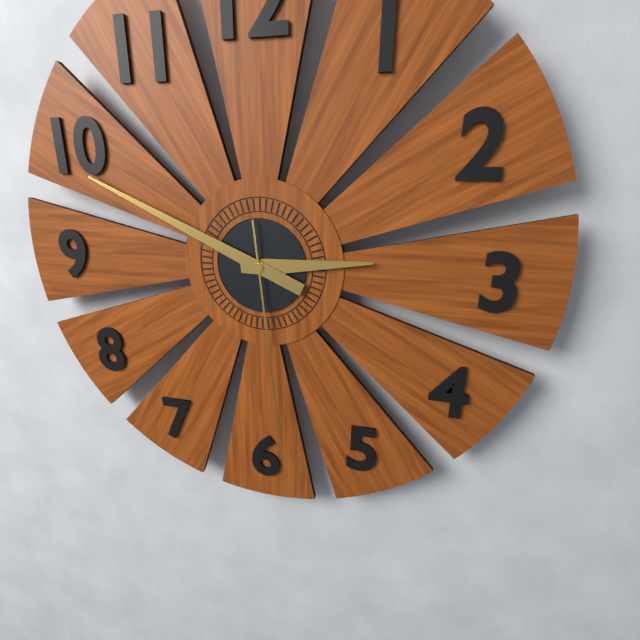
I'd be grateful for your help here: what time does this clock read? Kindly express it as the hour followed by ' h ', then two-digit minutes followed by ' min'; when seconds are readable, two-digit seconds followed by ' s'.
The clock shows 2 h 49 min 29 s
